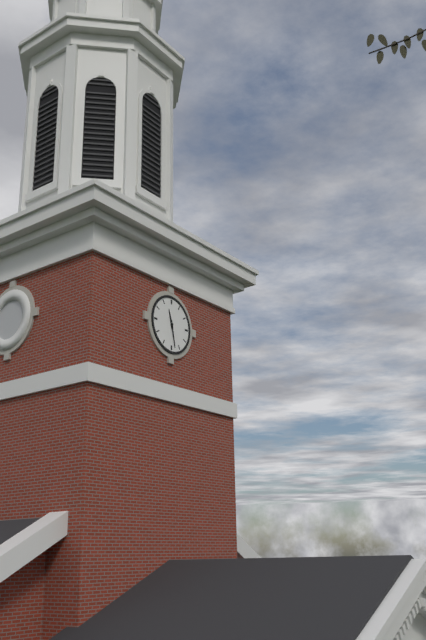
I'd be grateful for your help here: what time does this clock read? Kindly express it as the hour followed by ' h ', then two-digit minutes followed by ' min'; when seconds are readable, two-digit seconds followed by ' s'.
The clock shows 11 h 28 min
